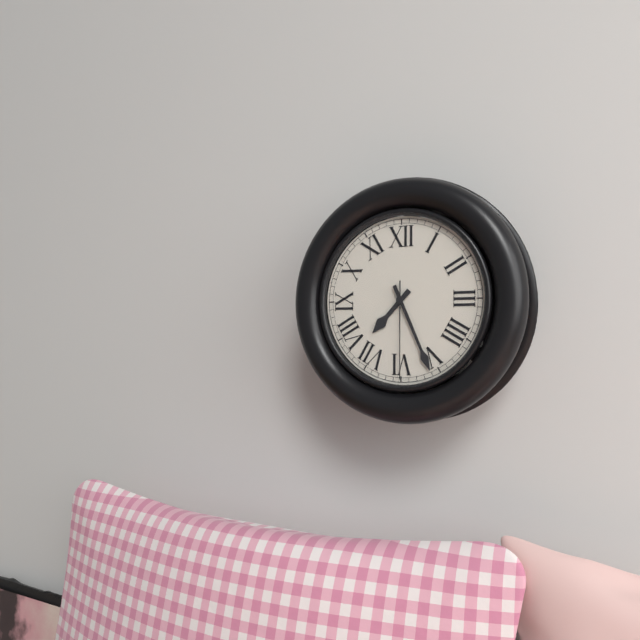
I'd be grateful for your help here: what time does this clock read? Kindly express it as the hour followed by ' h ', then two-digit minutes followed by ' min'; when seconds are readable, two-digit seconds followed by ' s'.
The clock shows 7 h 26 min 30 s
